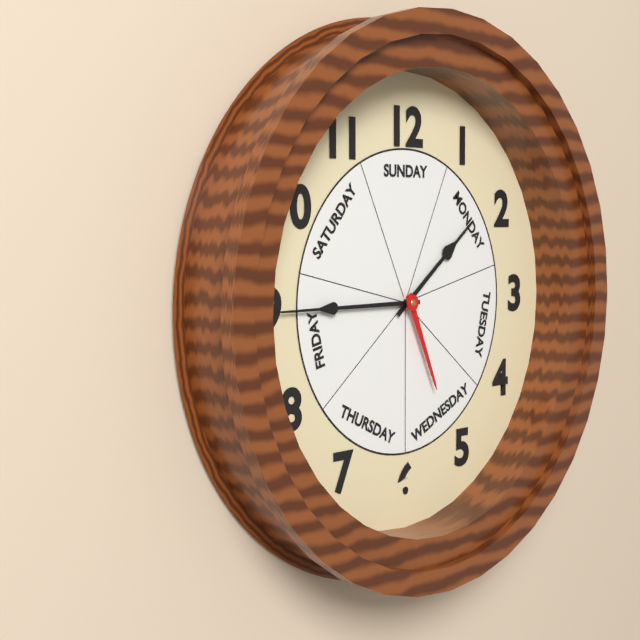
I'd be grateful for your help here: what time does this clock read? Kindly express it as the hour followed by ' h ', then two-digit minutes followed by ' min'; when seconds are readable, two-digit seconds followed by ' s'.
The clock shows 1 h 45 min 26 s
